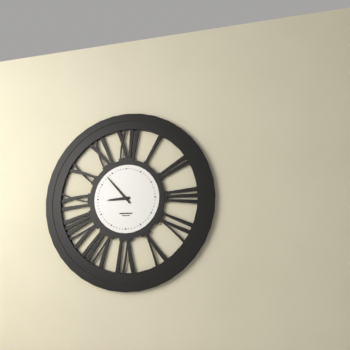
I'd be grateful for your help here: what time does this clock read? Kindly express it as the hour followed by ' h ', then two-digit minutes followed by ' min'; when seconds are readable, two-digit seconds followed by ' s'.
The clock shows 8 h 53 min
